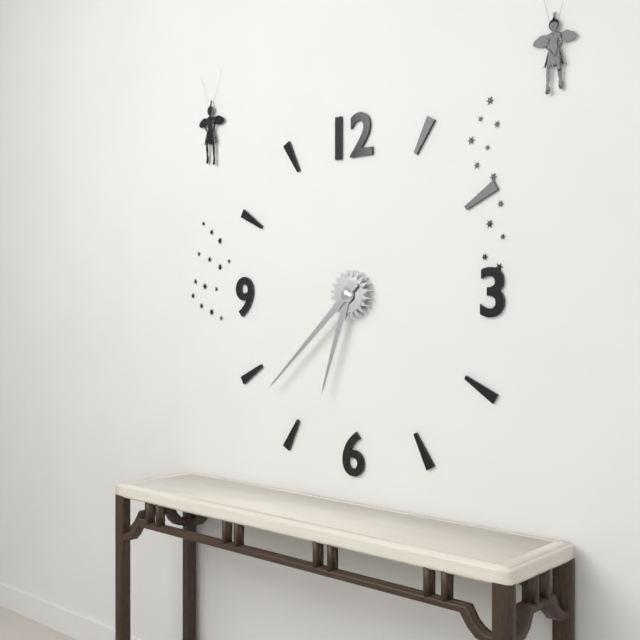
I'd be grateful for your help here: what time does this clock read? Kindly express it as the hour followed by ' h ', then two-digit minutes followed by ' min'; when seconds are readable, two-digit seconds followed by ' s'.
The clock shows 6 h 38 min
